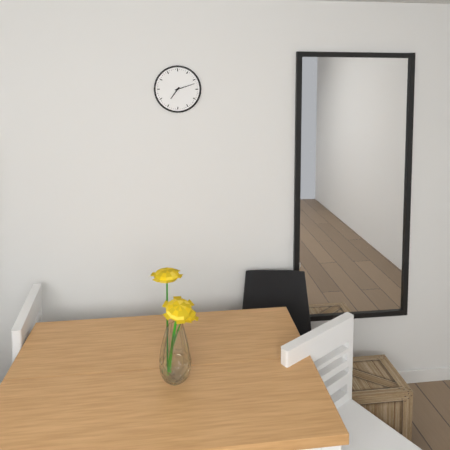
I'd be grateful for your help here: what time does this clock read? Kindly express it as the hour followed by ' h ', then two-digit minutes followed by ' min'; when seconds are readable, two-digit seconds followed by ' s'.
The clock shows 7 h 12 min
